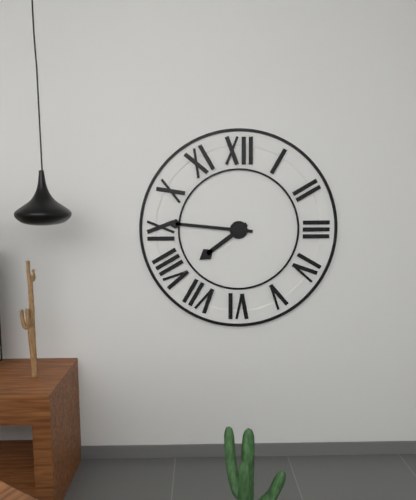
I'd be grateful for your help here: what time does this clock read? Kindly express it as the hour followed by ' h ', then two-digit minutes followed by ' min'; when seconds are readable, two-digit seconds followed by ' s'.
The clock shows 7 h 46 min
